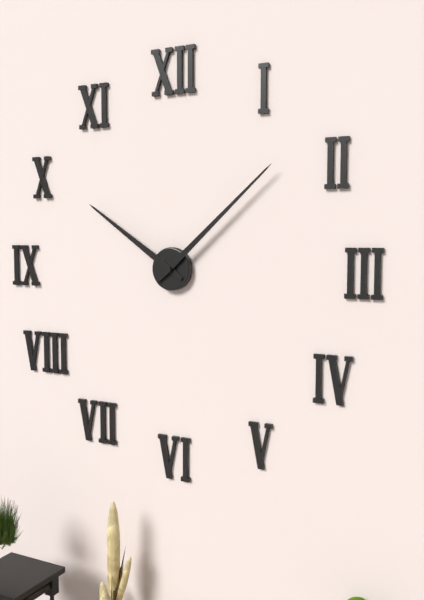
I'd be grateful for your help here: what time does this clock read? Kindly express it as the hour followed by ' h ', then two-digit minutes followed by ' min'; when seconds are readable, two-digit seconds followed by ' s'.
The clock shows 10 h 08 min
